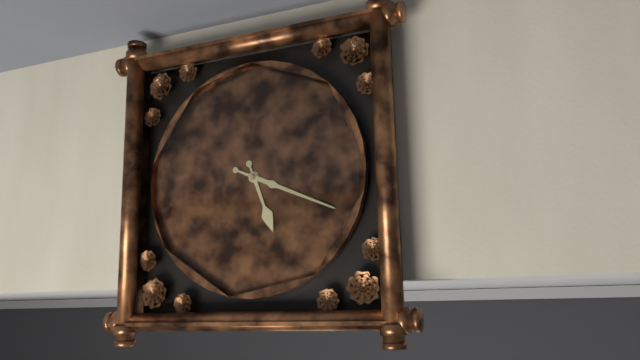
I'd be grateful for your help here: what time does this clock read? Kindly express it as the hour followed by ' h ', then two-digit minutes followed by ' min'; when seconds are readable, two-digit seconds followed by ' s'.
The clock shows 5 h 19 min
